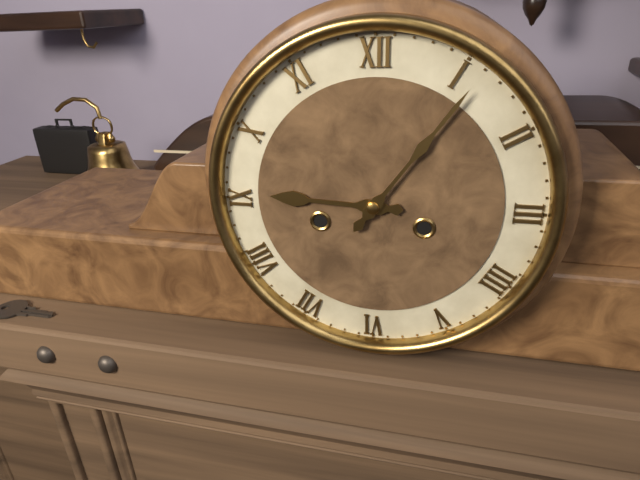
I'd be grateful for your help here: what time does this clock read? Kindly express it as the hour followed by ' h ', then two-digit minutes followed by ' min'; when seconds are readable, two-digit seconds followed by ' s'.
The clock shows 9 h 06 min
